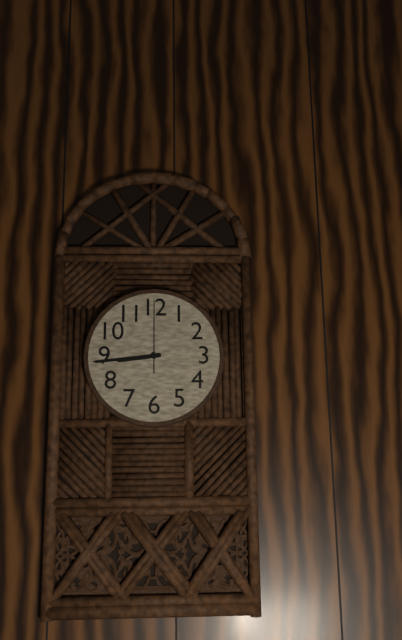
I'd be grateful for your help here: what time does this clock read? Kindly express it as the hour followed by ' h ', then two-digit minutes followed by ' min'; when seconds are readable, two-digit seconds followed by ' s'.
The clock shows 8 h 44 min 00 s
